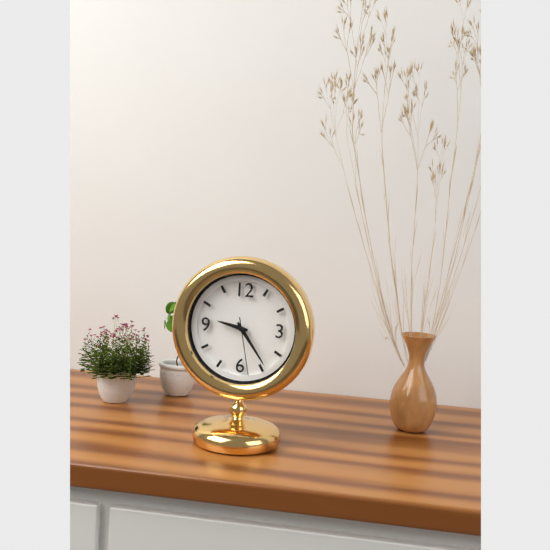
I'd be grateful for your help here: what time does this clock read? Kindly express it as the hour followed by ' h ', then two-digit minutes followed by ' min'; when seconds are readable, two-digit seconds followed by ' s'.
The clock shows 9 h 24 min 28 s
